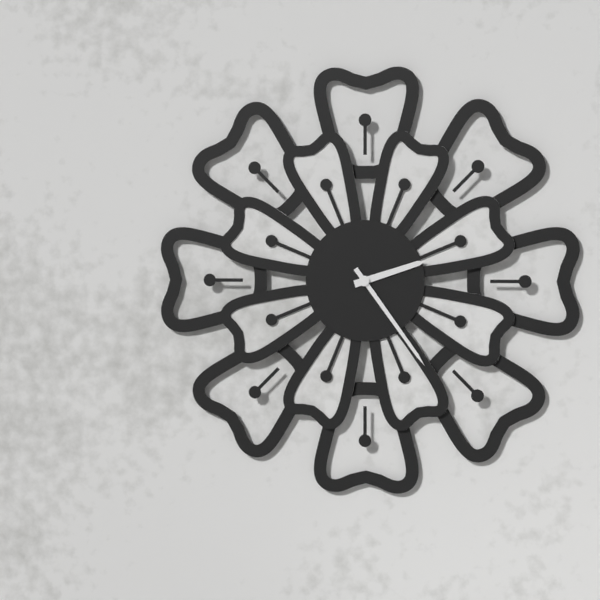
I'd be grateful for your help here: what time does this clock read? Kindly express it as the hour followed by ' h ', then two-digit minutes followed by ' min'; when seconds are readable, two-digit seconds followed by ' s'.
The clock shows 2 h 24 min
